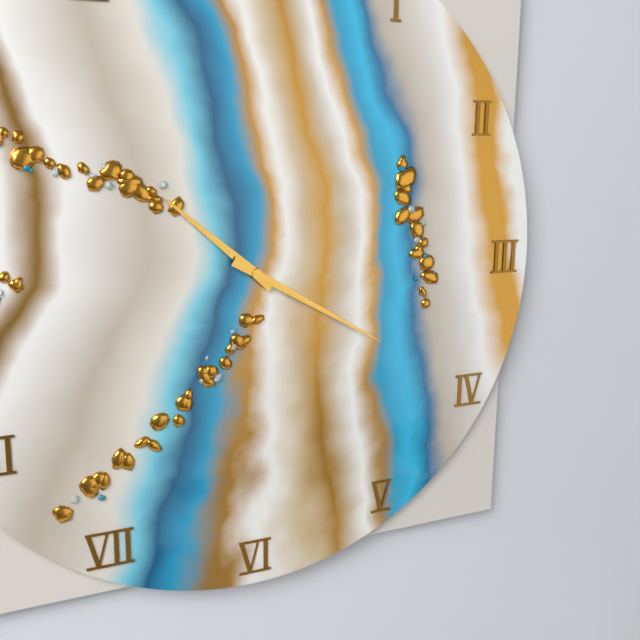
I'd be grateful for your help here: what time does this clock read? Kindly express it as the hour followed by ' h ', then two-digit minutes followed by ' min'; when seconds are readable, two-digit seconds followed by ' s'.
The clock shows 10 h 20 min
